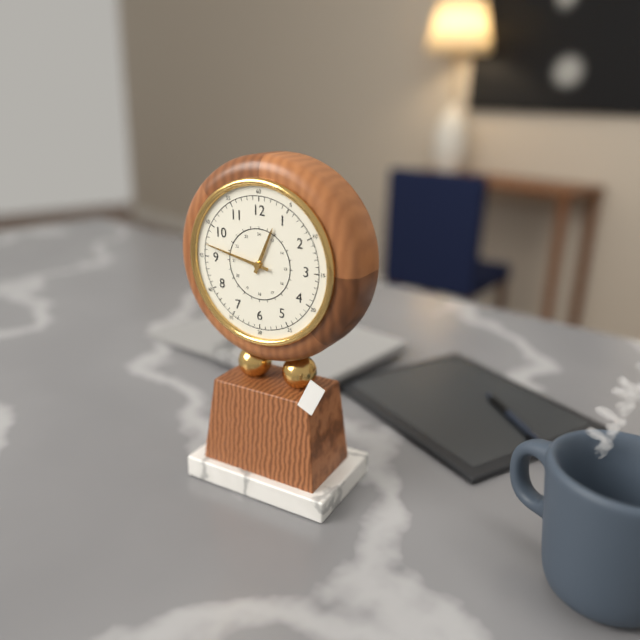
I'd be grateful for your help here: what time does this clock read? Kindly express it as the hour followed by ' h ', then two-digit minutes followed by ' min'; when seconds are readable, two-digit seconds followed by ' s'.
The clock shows 12 h 47 min
